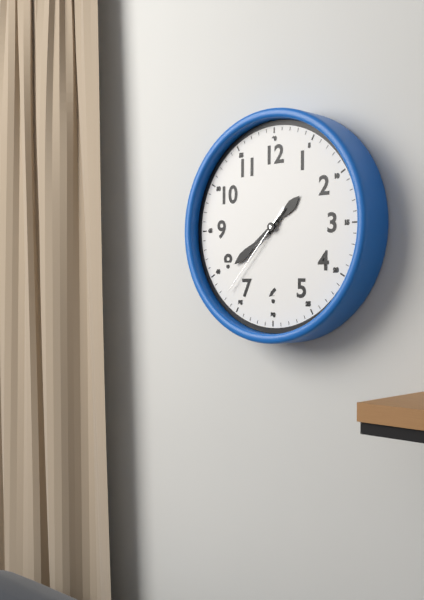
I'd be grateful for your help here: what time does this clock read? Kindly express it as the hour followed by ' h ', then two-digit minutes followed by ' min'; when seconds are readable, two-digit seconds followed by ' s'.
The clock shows 1 h 39 min 37 s
